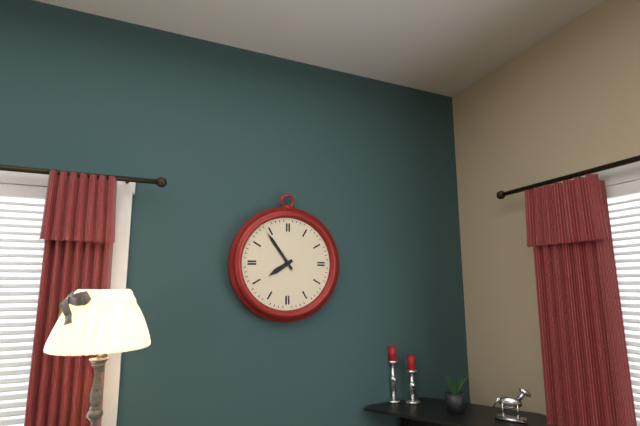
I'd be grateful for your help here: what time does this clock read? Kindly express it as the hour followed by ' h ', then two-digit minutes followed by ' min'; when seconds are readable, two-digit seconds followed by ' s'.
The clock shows 7 h 54 min
